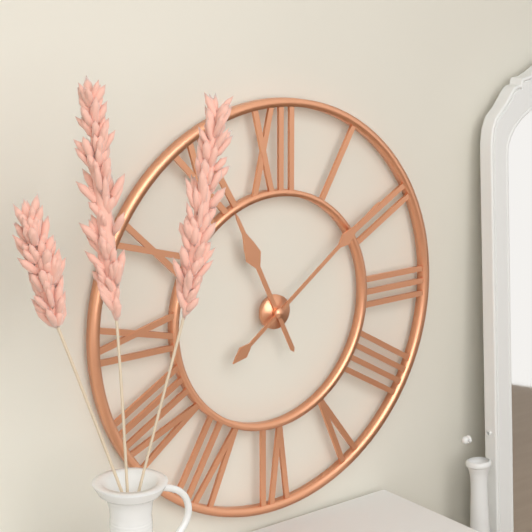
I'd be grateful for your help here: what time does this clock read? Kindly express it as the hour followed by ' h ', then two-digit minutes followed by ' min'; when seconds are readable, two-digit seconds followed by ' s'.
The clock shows 11 h 09 min
